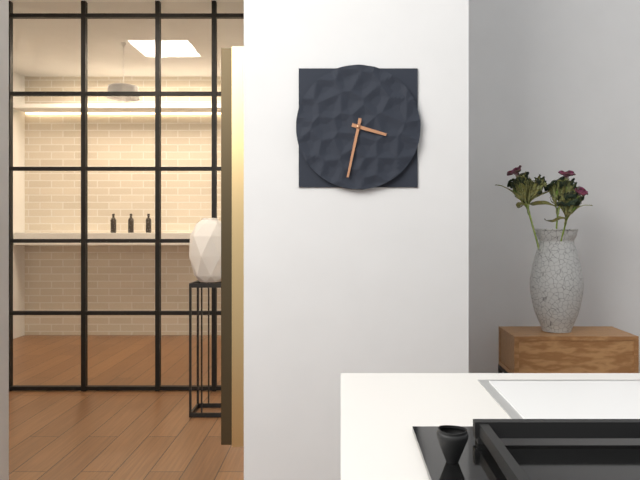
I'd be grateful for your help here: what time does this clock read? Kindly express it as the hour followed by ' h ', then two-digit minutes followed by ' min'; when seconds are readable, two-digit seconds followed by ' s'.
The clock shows 3 h 32 min
